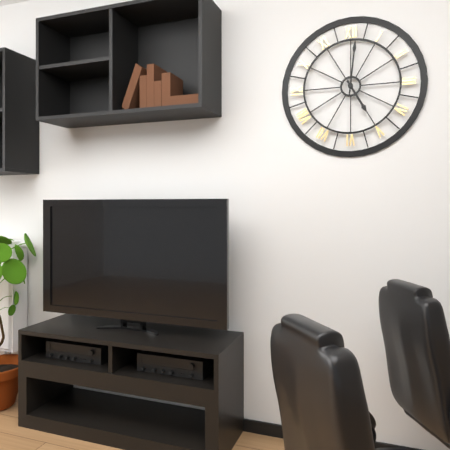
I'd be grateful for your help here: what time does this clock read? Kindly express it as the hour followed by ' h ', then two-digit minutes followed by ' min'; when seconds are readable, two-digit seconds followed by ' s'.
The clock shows 5 h 01 min
